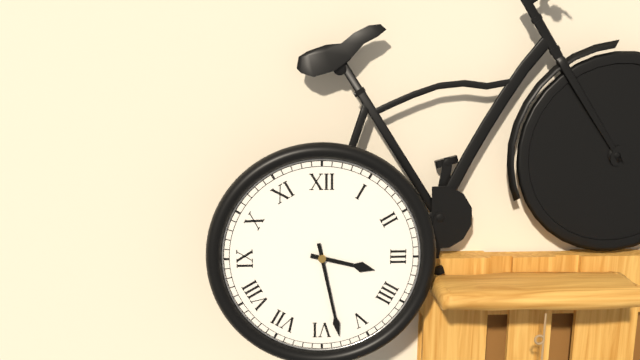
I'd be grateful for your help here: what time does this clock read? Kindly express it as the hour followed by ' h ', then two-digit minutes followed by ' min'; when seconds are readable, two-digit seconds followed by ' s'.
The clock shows 3 h 28 min
